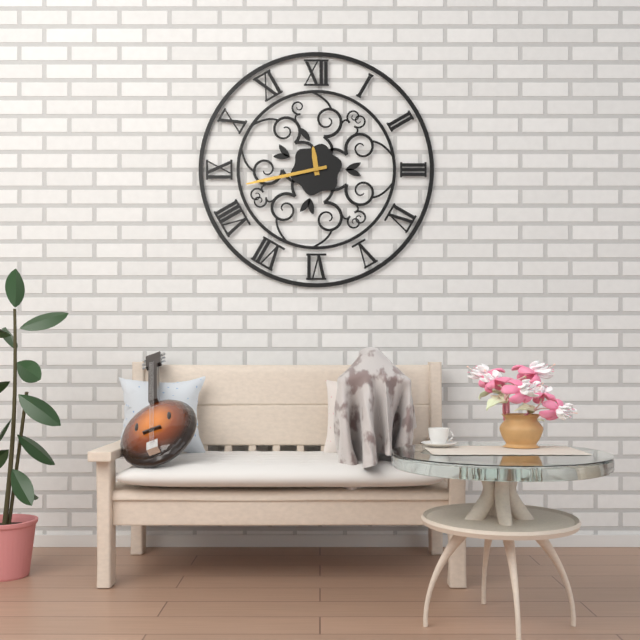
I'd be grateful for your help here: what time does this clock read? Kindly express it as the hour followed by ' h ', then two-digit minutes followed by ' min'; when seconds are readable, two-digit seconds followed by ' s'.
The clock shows 11 h 43 min
